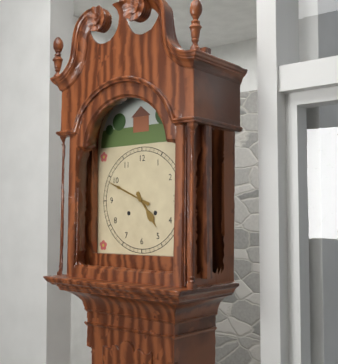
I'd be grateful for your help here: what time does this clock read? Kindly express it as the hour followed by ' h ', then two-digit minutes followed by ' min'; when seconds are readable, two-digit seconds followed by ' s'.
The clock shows 4 h 49 min
